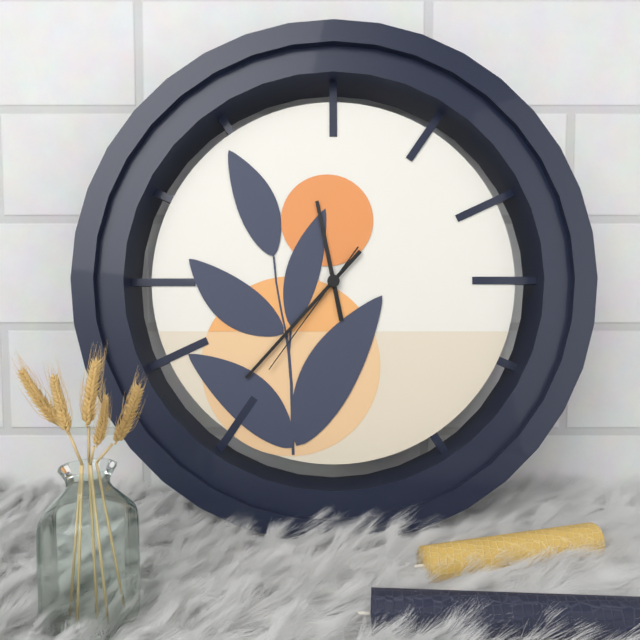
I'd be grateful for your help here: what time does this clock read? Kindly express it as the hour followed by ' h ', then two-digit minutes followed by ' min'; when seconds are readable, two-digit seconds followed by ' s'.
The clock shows 11 h 37 min 36 s
